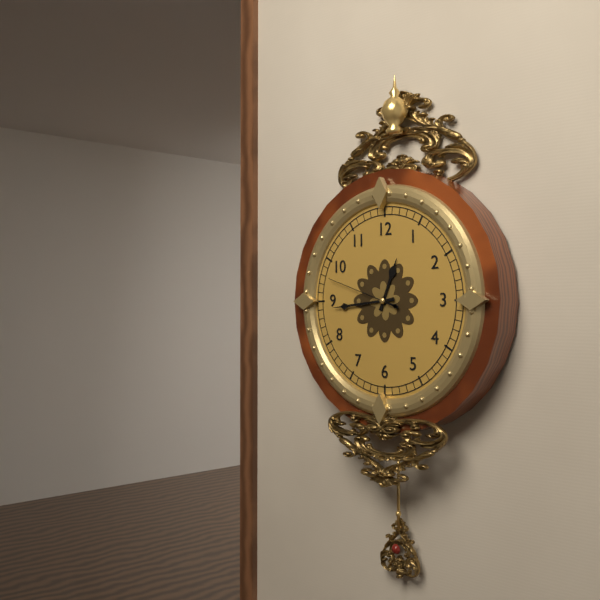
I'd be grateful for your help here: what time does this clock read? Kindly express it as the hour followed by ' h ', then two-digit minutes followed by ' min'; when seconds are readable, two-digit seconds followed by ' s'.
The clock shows 12 h 44 min 48 s
